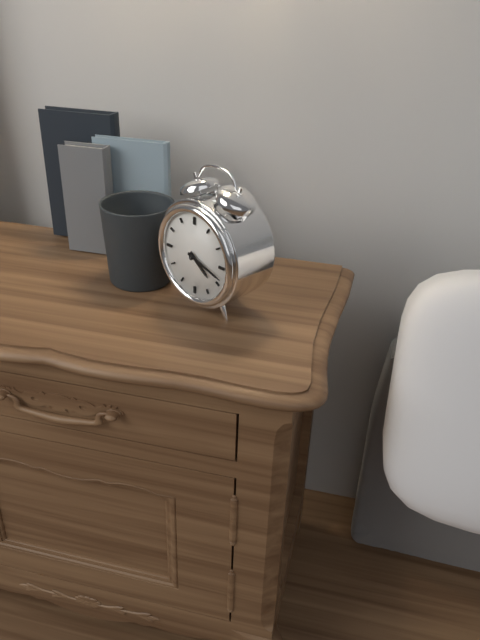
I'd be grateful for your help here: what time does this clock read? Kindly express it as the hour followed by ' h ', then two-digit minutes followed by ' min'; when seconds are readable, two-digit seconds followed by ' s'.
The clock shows 4 h 18 min
